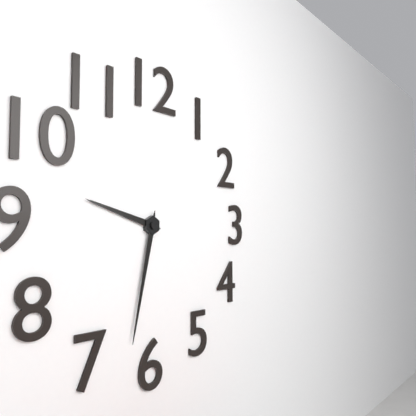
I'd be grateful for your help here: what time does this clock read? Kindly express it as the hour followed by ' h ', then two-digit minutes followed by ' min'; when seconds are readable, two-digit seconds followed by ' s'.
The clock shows 9 h 32 min
